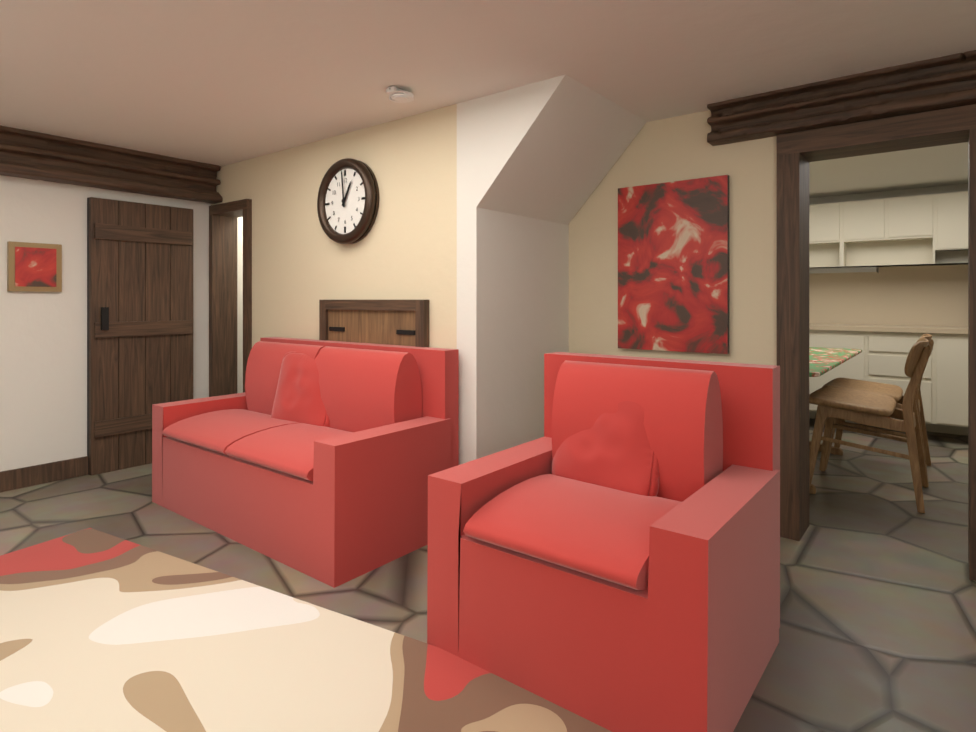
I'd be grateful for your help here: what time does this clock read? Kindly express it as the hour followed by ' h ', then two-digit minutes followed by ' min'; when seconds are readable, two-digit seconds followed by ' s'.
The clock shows 12 h 59 min
